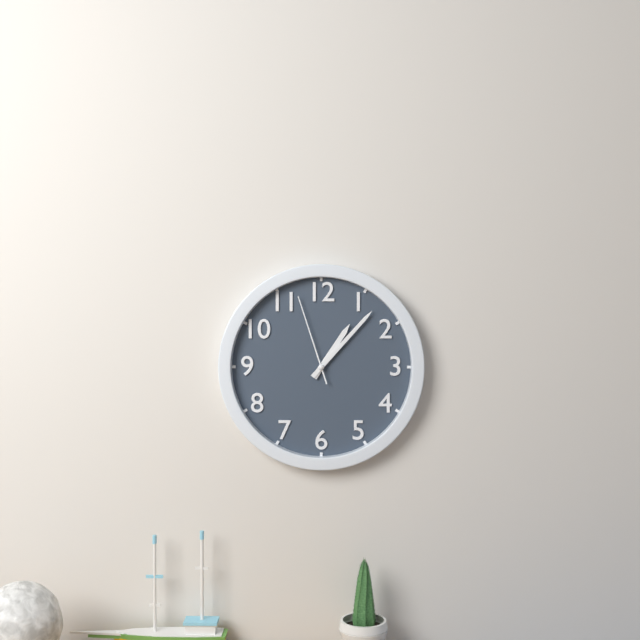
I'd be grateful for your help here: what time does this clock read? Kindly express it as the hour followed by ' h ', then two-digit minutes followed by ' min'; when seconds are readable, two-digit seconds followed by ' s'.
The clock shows 1 h 07 min 57 s
